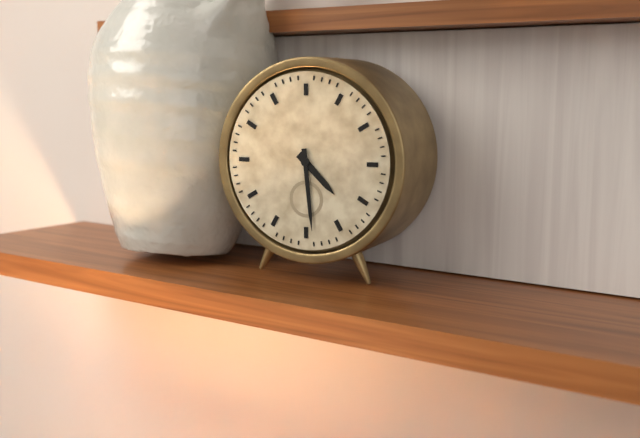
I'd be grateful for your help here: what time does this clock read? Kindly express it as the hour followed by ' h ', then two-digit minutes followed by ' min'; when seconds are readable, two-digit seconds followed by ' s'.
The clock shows 4 h 29 min
